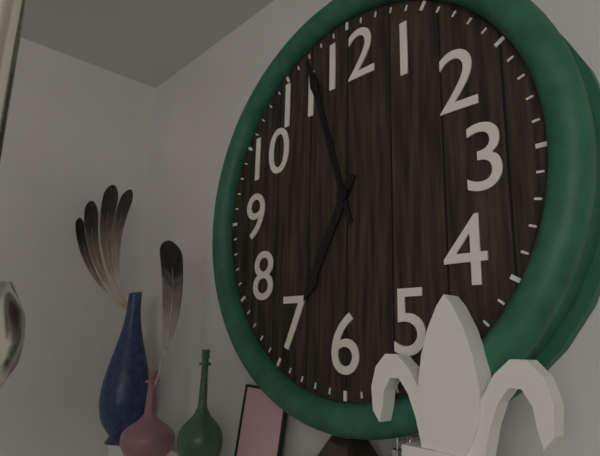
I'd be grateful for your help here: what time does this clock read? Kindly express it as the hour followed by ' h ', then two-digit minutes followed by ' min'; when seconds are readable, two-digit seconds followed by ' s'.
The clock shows 6 h 57 min
